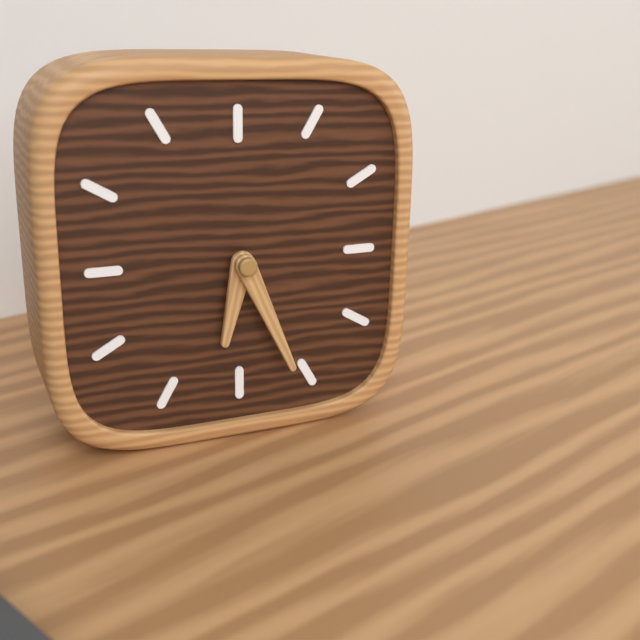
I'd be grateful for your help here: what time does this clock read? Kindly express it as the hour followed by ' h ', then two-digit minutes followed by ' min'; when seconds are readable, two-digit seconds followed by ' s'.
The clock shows 6 h 26 min
